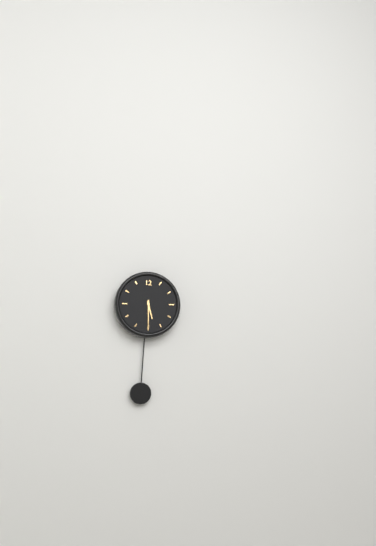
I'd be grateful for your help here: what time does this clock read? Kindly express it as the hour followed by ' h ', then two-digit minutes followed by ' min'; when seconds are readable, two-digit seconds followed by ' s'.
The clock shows 5 h 30 min
